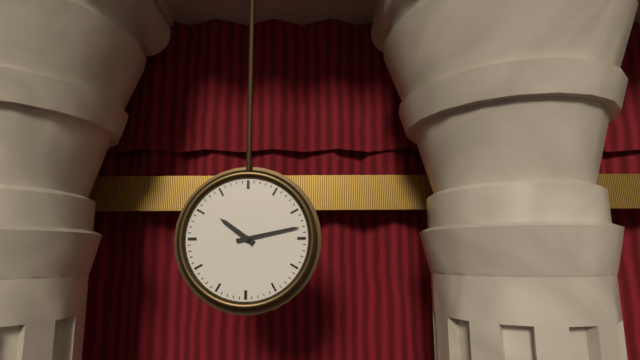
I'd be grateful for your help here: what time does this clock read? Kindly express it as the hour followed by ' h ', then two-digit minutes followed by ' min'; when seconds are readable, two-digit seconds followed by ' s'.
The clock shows 10 h 13 min
